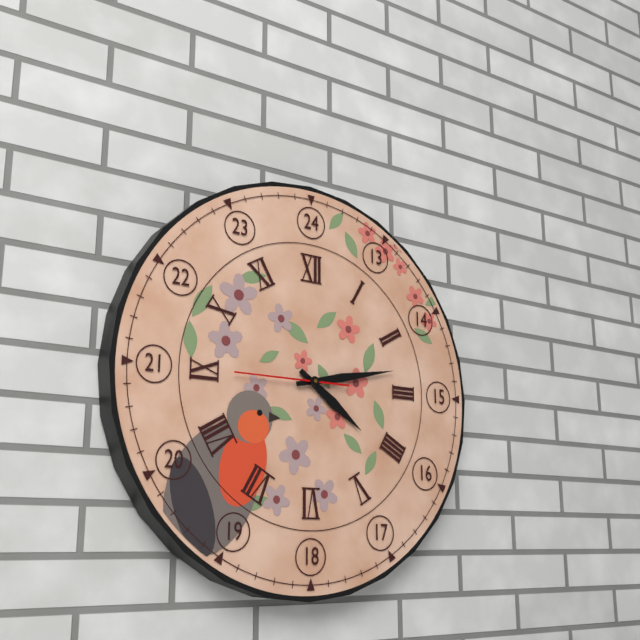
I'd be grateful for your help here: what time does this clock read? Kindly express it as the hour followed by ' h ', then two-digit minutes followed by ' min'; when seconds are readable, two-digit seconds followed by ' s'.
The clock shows 4 h 13 min 45 s
